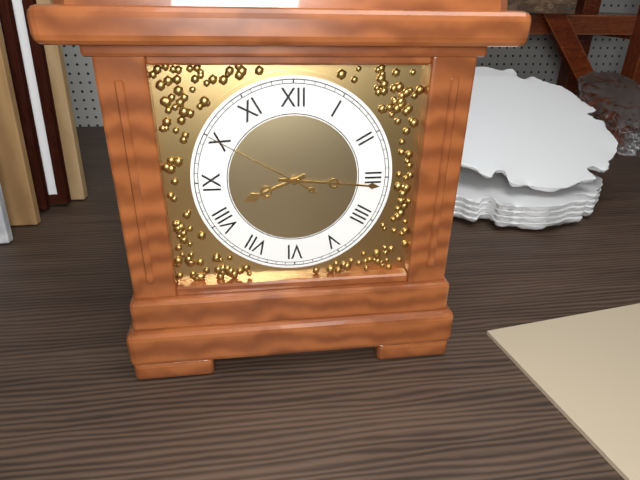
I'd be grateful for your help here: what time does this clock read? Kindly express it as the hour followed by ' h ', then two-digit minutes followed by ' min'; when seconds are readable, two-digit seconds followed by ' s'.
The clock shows 8 h 16 min 50 s
